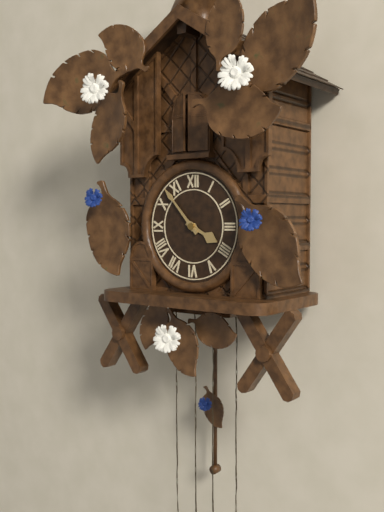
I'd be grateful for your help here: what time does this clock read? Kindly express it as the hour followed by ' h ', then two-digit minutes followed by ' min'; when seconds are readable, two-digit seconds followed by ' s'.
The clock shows 3 h 53 min
